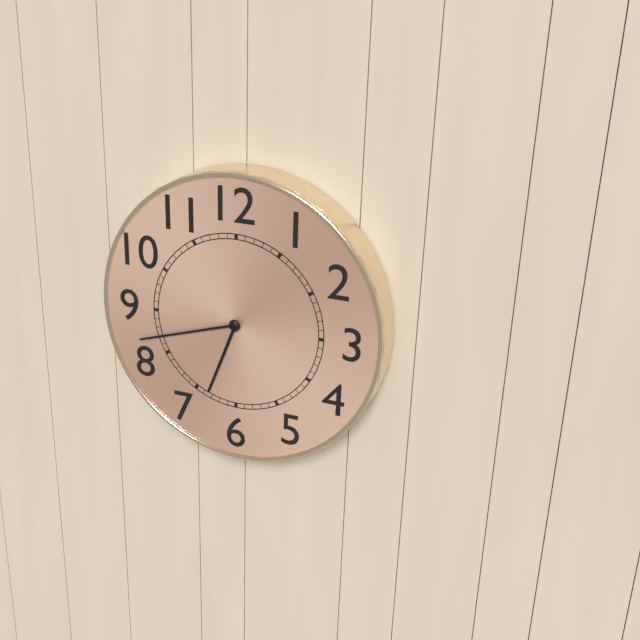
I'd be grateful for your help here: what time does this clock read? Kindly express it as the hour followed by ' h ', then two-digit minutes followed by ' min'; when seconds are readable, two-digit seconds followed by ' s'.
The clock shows 6 h 42 min
